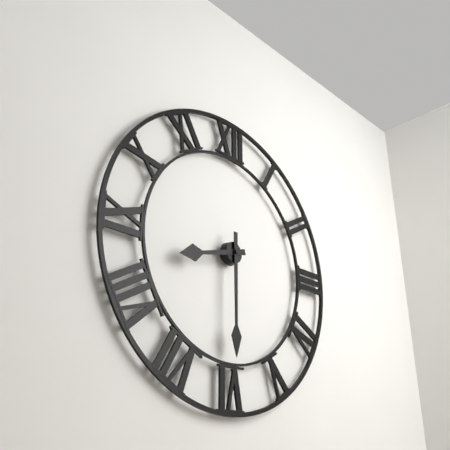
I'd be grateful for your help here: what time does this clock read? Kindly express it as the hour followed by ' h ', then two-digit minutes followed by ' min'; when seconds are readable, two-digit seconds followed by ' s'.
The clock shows 8 h 30 min
